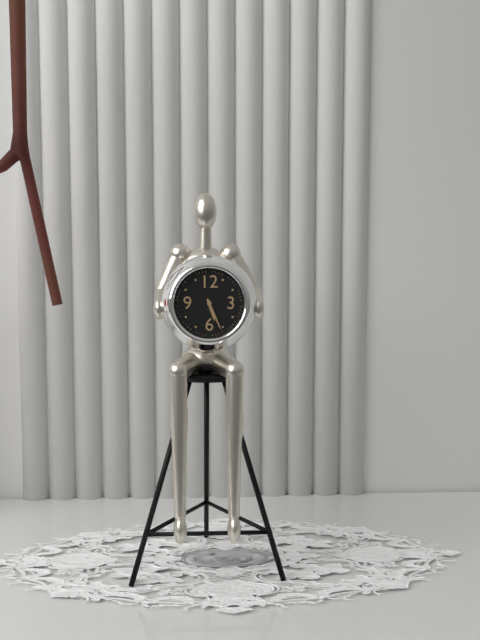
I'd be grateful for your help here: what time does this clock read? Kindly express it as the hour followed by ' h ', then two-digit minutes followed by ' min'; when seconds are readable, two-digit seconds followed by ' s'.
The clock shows 5 h 26 min
